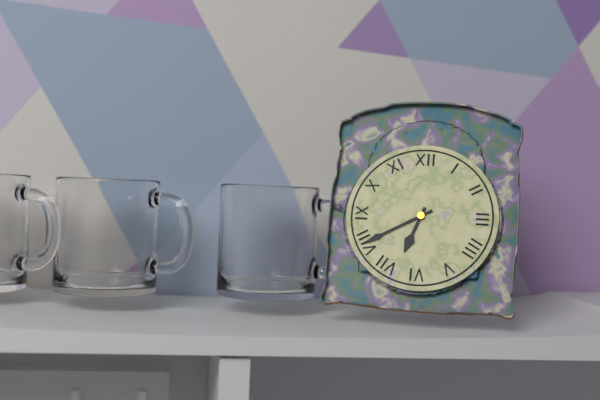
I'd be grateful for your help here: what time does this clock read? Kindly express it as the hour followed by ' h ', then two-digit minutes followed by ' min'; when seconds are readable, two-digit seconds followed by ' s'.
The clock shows 6 h 40 min
